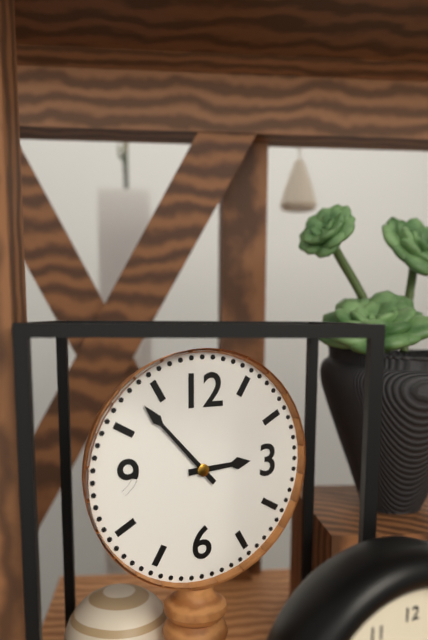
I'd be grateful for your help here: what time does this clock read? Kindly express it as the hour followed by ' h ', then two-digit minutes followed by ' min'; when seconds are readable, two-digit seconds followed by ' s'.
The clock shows 2 h 53 min
